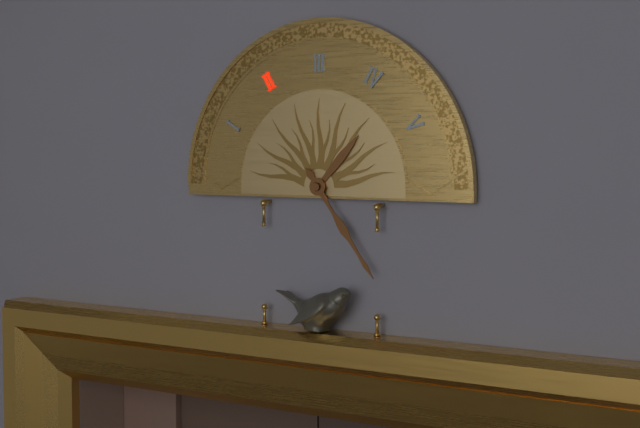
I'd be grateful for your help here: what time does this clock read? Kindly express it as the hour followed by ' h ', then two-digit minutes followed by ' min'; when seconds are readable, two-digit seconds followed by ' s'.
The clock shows 1 h 24 min
